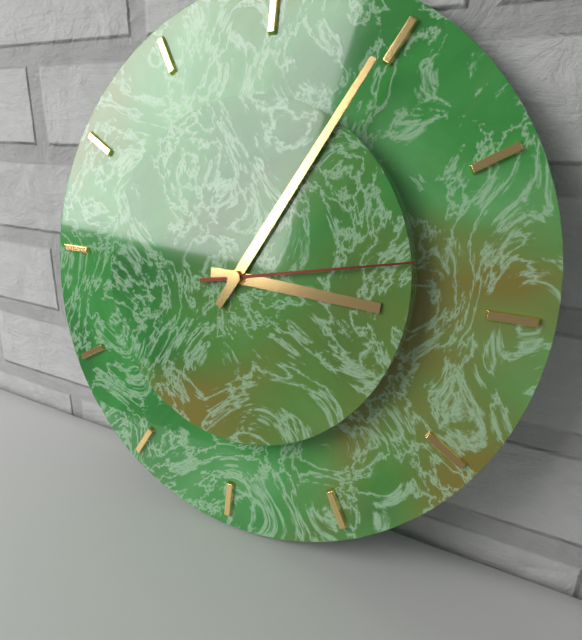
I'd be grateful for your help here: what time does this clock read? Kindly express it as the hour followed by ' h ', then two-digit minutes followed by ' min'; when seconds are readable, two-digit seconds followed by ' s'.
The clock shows 3 h 05 min 13 s
